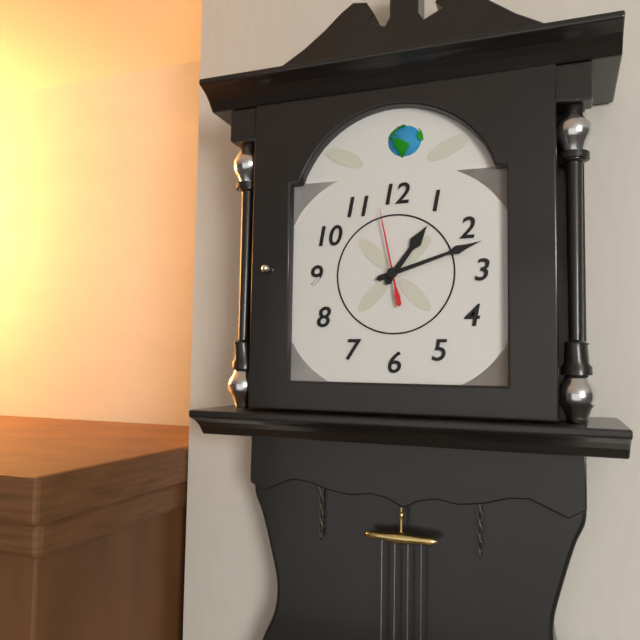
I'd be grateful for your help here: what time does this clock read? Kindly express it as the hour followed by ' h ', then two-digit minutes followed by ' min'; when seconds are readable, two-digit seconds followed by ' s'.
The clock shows 1 h 12 min 58 s
